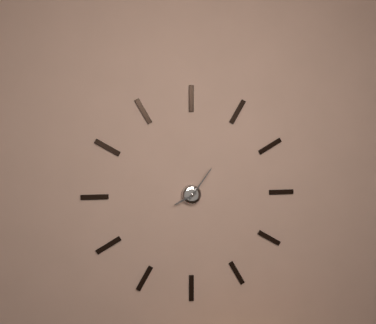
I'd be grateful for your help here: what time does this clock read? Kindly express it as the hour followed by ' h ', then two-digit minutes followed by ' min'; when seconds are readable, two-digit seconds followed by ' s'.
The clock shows 8 h 06 min
